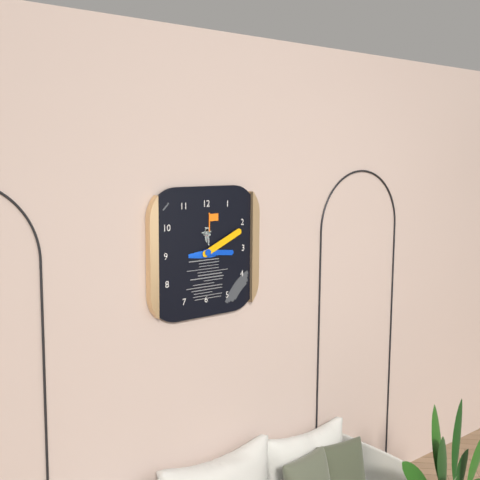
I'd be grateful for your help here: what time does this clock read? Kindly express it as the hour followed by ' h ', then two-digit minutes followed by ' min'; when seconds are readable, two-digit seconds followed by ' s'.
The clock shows 3 h 11 min
